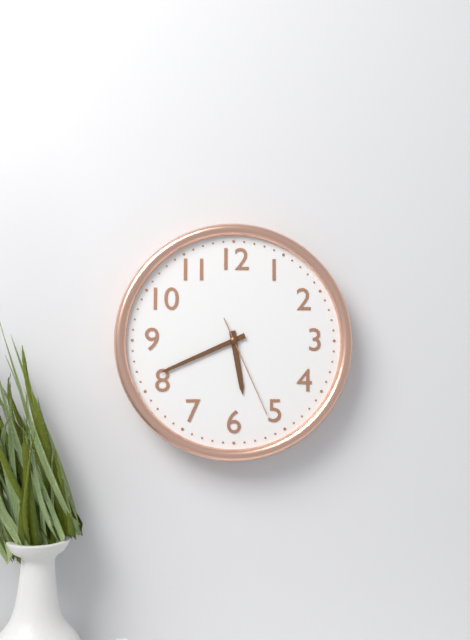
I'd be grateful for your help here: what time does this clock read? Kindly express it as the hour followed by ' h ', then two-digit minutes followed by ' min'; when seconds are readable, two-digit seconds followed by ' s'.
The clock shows 5 h 41 min 26 s
